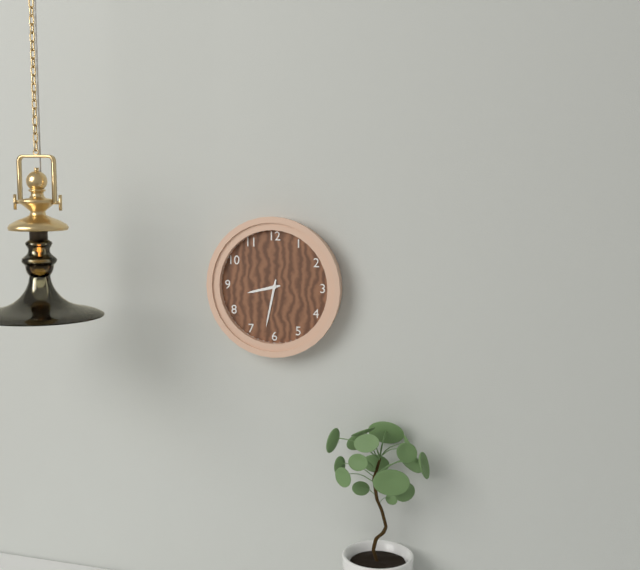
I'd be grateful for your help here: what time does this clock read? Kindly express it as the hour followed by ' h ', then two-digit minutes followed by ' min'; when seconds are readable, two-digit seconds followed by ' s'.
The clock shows 8 h 32 min
